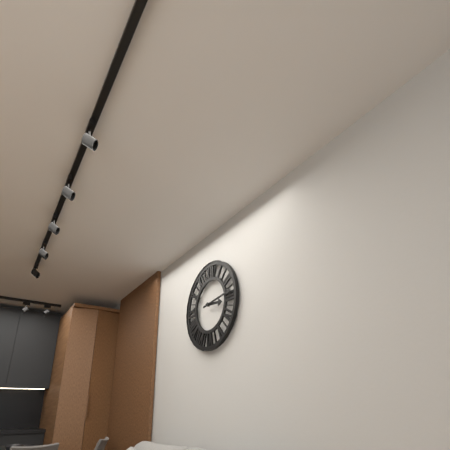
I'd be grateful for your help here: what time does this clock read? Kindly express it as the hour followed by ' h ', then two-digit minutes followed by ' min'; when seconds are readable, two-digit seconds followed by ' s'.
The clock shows 3 h 14 min
